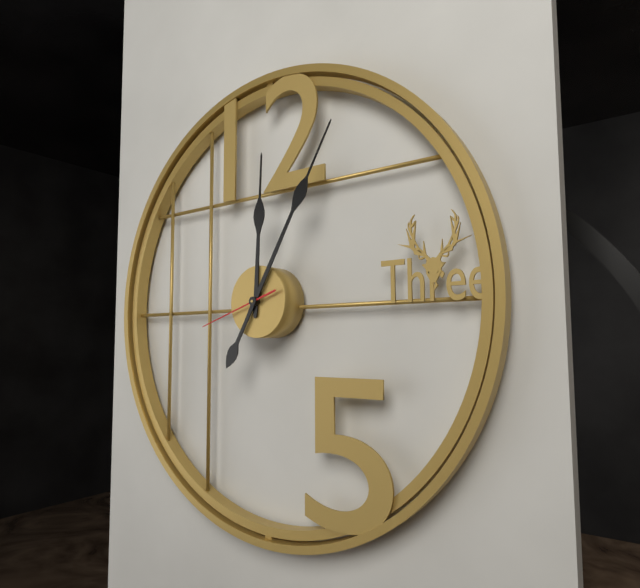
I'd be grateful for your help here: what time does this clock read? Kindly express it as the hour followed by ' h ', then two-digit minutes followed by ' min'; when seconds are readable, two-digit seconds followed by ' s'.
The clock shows 12 h 05 min 42 s
